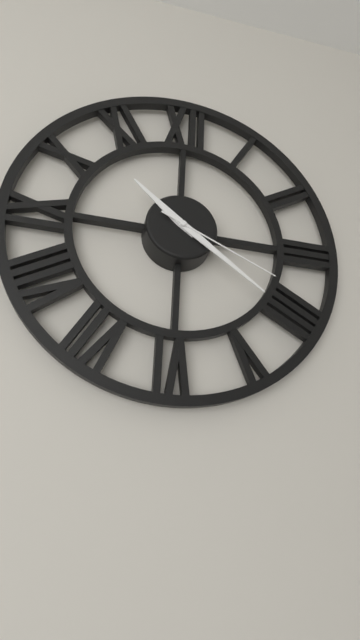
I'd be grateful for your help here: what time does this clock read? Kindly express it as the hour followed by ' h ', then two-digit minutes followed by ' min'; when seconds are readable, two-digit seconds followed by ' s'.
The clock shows 10 h 21 min 19 s
